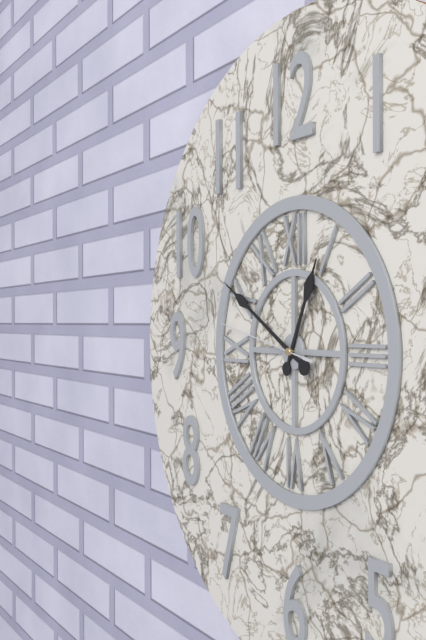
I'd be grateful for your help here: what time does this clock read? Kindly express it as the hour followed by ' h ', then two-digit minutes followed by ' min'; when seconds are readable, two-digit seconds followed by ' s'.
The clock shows 12 h 50 min 47 s
